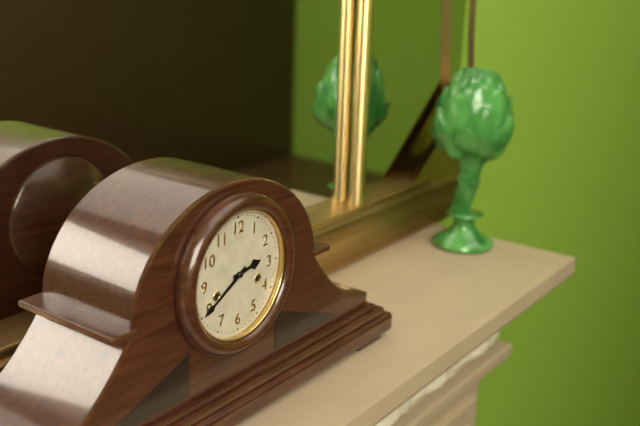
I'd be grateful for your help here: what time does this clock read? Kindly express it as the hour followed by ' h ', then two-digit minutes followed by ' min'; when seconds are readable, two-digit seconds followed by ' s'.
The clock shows 2 h 40 min
